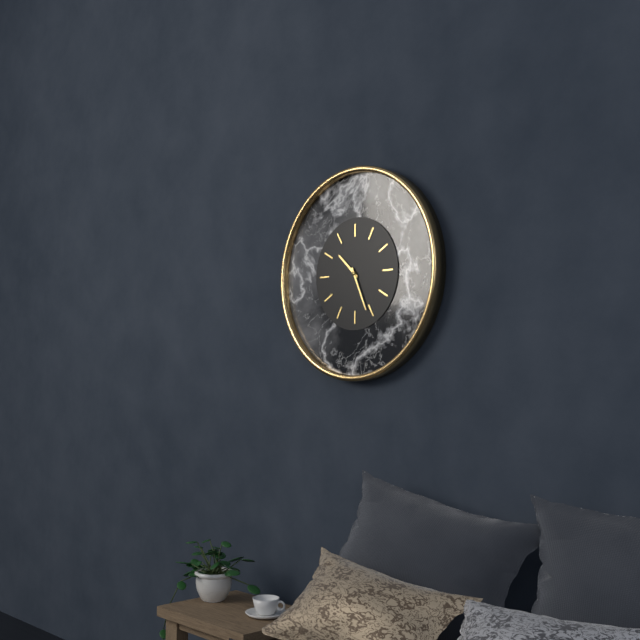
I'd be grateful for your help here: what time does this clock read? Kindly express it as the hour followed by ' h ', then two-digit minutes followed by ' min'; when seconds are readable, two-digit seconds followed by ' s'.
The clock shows 10 h 26 min
